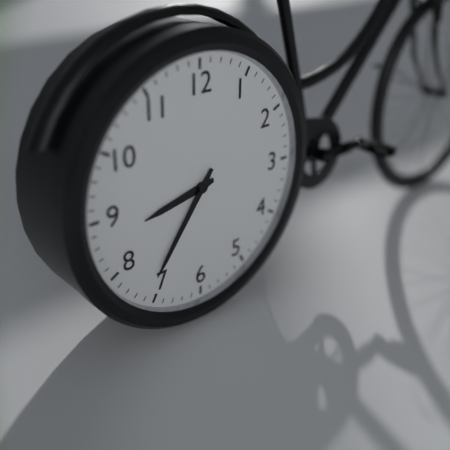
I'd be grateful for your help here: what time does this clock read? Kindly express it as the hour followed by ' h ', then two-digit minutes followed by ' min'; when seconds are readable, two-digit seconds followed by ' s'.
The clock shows 8 h 36 min
